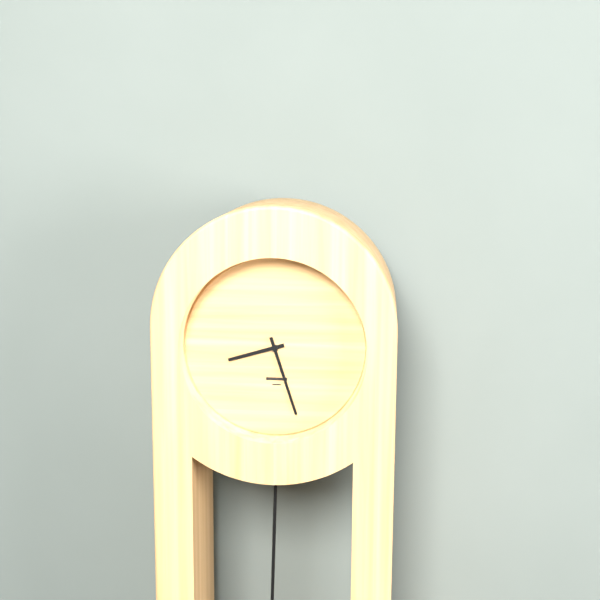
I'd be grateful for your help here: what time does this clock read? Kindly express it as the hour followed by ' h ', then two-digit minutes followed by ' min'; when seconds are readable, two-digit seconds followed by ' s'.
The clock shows 8 h 27 min
